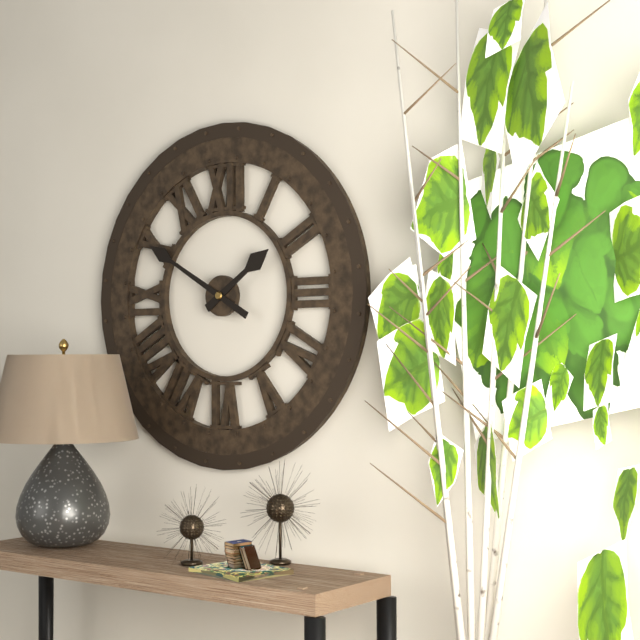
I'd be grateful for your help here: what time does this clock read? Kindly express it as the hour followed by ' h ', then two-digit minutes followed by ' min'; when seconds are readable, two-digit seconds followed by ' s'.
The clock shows 1 h 50 min
